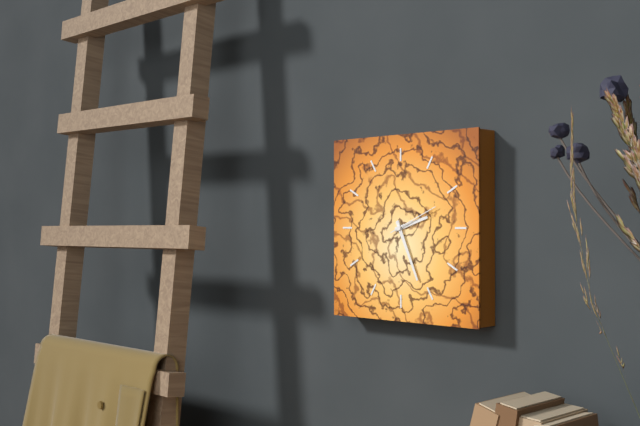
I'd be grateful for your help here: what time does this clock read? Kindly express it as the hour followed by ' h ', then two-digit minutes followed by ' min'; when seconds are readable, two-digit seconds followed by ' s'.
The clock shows 2 h 26 min 11 s
